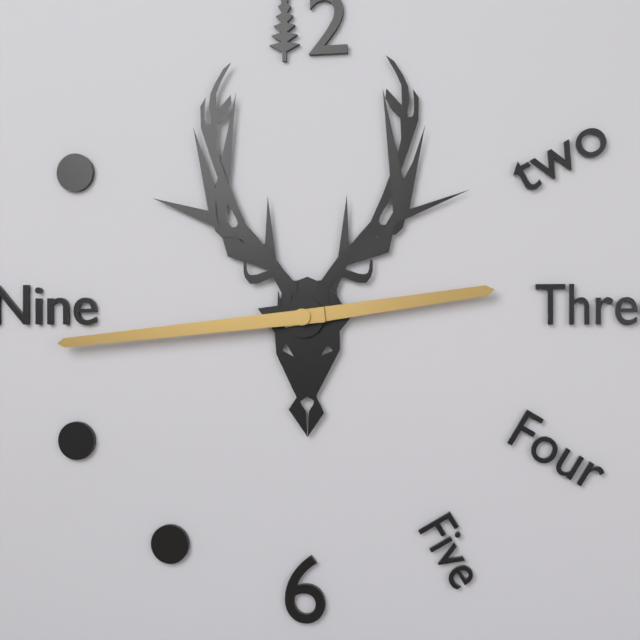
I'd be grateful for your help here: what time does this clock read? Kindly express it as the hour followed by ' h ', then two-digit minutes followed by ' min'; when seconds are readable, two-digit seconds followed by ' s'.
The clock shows 2 h 44 min
